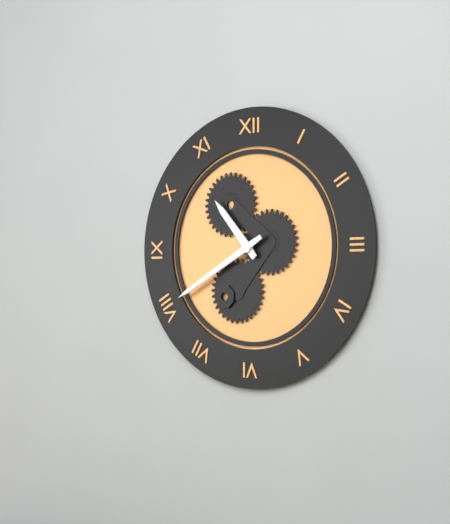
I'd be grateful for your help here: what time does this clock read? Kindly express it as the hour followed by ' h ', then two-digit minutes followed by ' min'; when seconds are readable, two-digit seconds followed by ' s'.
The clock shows 10 h 40 min
